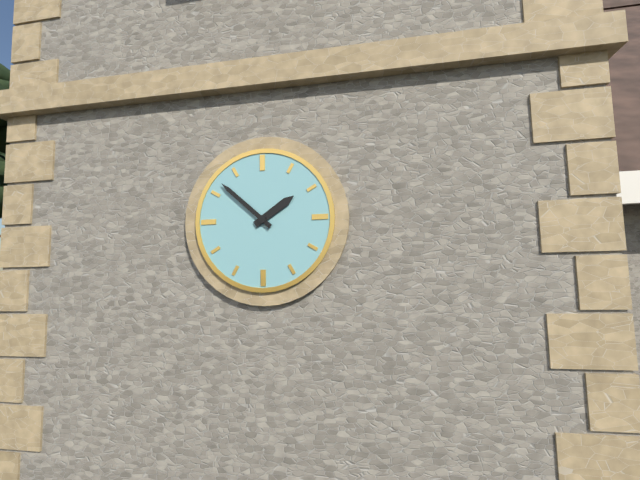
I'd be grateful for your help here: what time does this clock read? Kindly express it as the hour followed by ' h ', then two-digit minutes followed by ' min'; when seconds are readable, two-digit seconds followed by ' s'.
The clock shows 1 h 52 min
